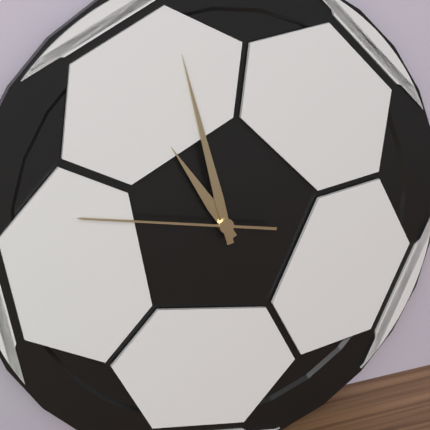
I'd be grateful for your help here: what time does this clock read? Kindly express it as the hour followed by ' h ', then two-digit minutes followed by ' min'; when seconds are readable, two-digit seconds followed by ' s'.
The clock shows 10 h 58 min 47 s
